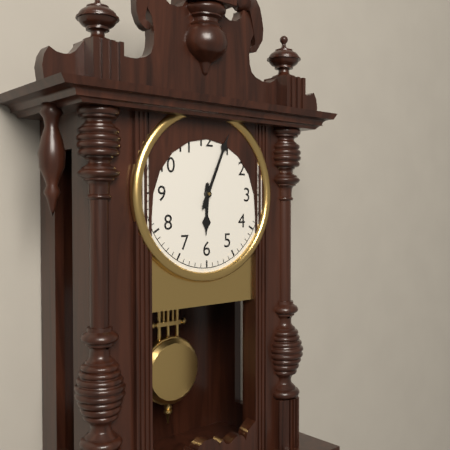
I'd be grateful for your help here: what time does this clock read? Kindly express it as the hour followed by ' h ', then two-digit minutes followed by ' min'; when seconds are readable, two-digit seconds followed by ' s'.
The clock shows 6 h 04 min
